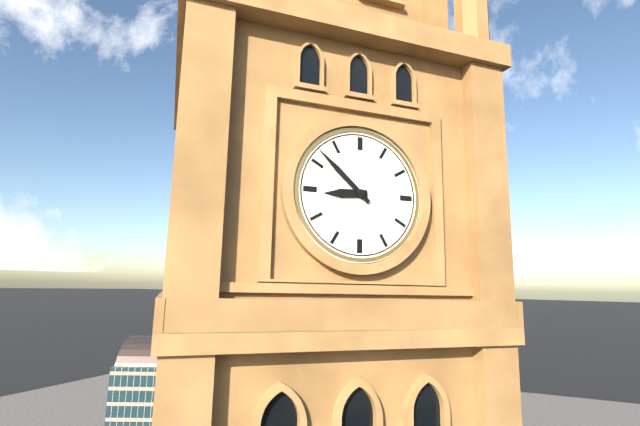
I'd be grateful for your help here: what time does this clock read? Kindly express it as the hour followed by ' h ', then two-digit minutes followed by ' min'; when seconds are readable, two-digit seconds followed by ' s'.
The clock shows 8 h 52 min
